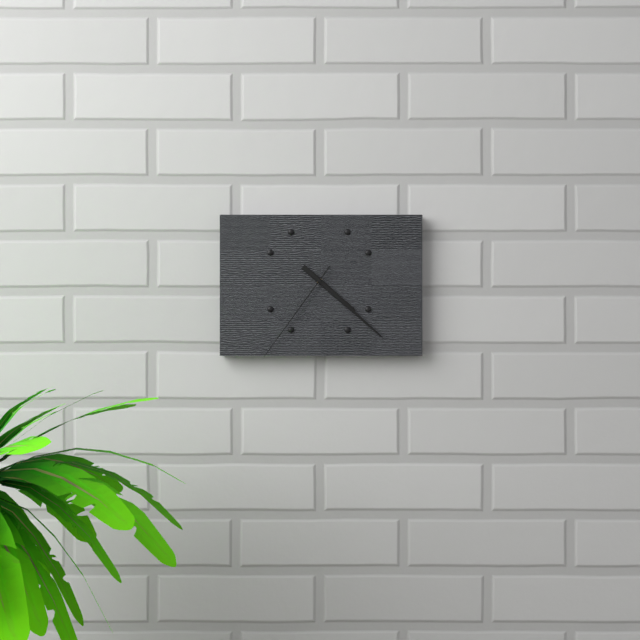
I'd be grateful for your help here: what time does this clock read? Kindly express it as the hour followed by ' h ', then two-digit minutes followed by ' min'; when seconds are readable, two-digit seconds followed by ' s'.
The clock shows 4 h 22 min 36 s
